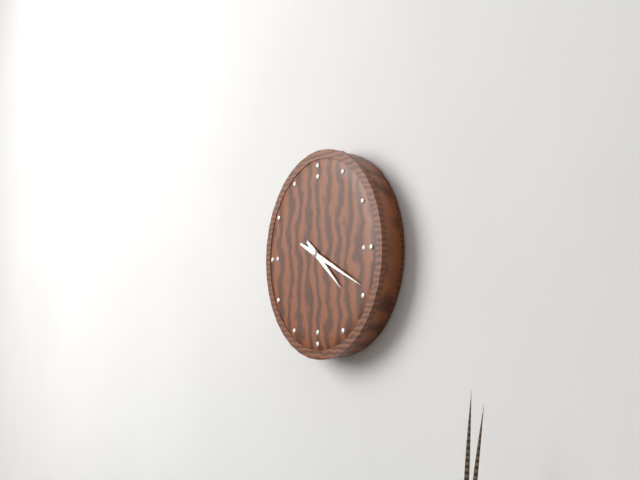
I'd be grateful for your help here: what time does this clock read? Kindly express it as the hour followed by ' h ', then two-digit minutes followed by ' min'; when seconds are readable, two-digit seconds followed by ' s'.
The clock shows 4 h 19 min
